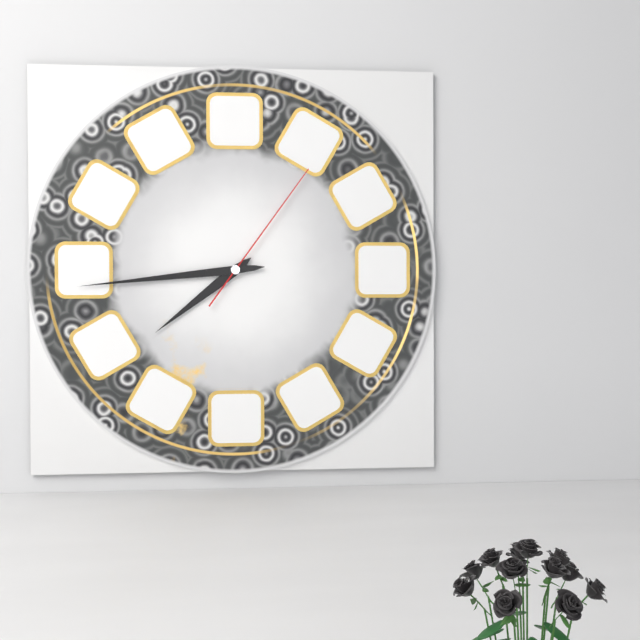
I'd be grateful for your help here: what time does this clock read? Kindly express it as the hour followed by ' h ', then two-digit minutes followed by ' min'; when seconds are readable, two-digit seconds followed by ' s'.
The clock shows 7 h 44 min 06 s
